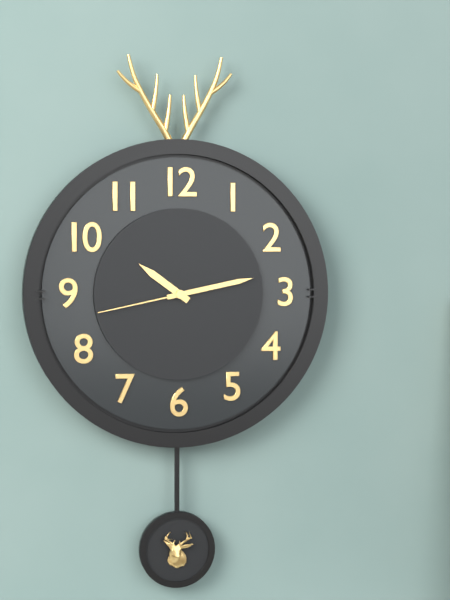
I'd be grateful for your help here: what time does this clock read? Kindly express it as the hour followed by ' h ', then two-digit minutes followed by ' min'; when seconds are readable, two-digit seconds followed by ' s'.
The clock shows 10 h 13 min 43 s
